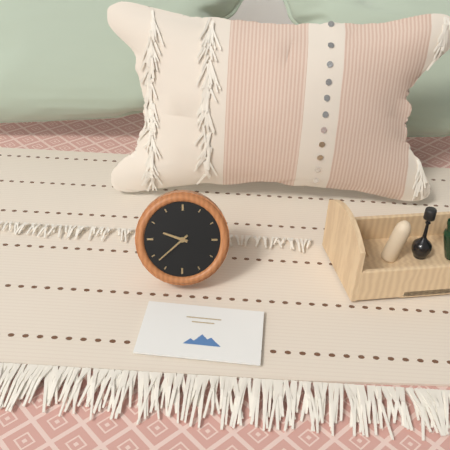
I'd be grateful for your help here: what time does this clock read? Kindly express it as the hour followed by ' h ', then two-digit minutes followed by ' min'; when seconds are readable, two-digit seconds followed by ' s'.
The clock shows 9 h 38 min
